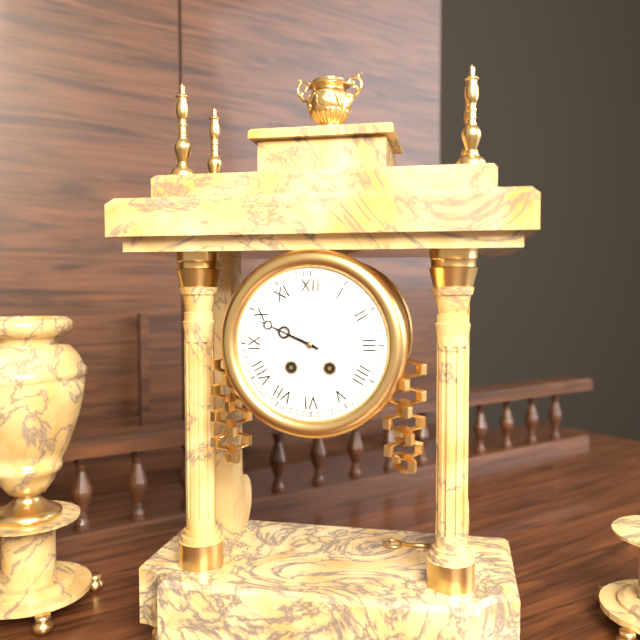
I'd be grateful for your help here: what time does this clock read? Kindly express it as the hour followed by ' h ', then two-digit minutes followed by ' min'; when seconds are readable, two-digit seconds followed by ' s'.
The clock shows 9 h 49 min
